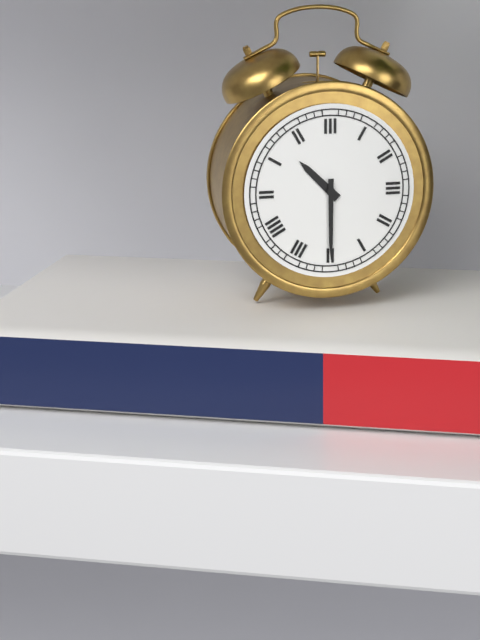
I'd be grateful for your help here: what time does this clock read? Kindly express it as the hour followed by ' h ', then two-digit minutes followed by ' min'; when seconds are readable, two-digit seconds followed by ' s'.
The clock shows 10 h 30 min
